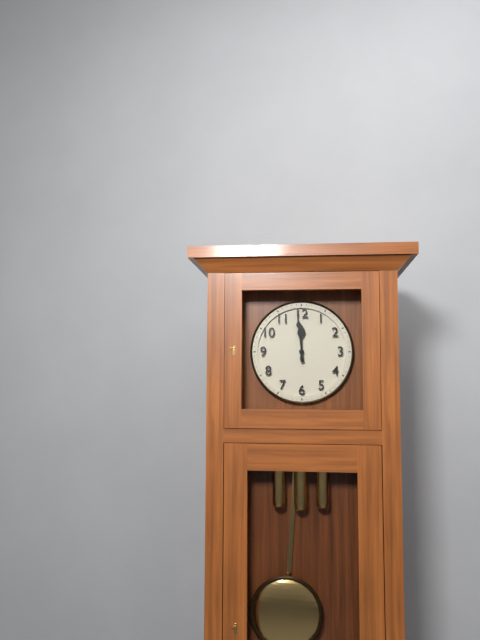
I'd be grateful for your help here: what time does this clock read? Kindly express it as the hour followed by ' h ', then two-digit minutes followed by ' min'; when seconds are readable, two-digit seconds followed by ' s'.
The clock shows 11 h 59 min
